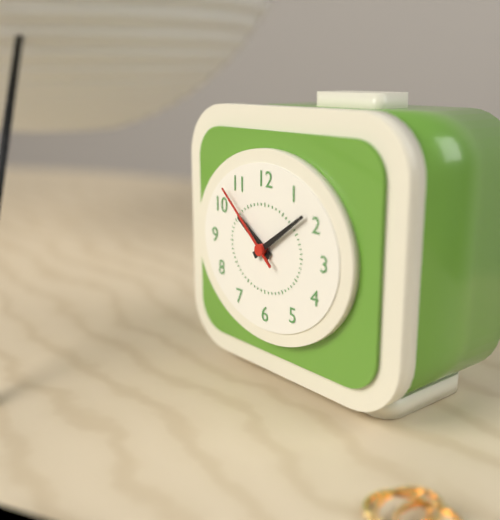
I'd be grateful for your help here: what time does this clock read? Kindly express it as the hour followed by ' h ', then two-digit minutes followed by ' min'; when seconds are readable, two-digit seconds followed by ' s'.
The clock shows 10 h 09 min 52 s
